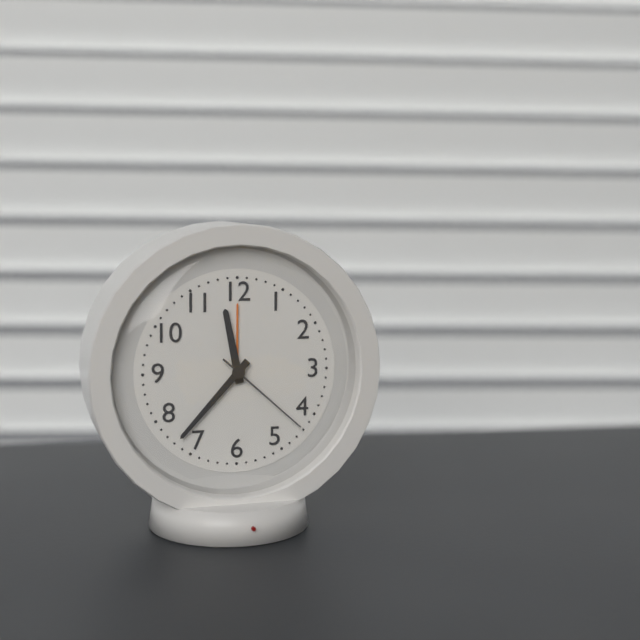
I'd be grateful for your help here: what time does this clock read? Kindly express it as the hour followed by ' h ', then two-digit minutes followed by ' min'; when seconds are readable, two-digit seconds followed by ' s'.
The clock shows 11 h 37 min 22 s
